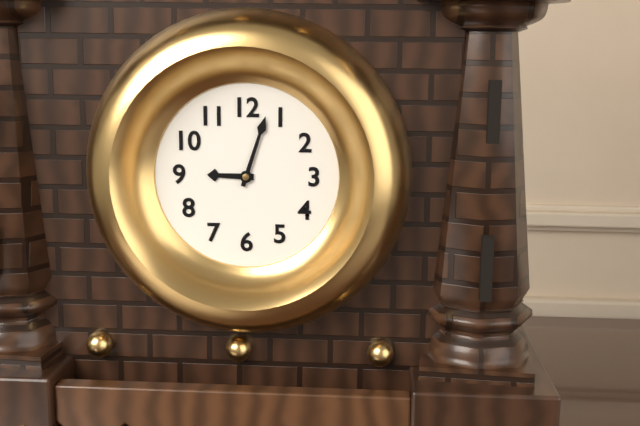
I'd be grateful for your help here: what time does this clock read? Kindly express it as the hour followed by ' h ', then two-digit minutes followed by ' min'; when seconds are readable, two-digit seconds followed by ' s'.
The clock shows 9 h 03 min
